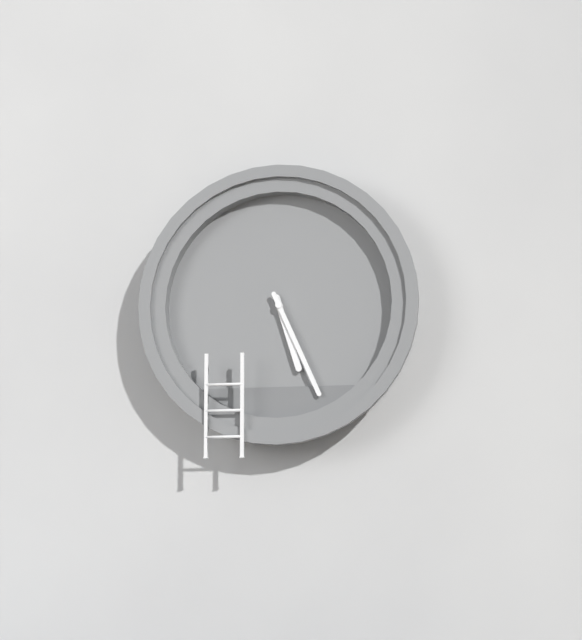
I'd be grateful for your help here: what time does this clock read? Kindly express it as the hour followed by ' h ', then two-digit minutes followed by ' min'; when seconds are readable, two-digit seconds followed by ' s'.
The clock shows 5 h 26 min
